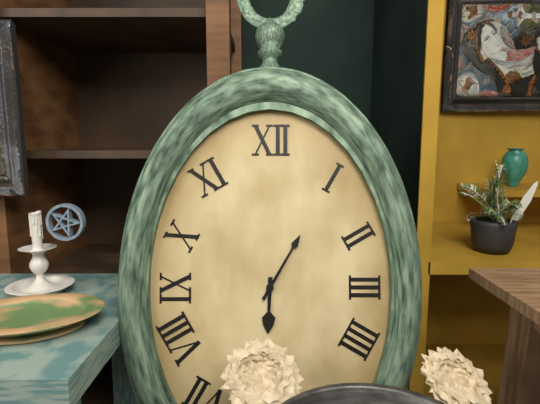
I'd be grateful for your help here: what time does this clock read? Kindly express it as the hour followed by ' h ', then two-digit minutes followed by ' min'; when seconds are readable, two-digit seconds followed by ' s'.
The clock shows 6 h 05 min
